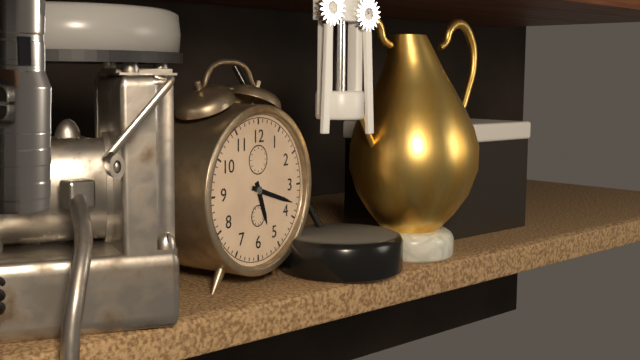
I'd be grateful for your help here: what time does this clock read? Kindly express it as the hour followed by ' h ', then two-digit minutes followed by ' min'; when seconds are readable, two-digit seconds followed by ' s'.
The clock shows 5 h 18 min
